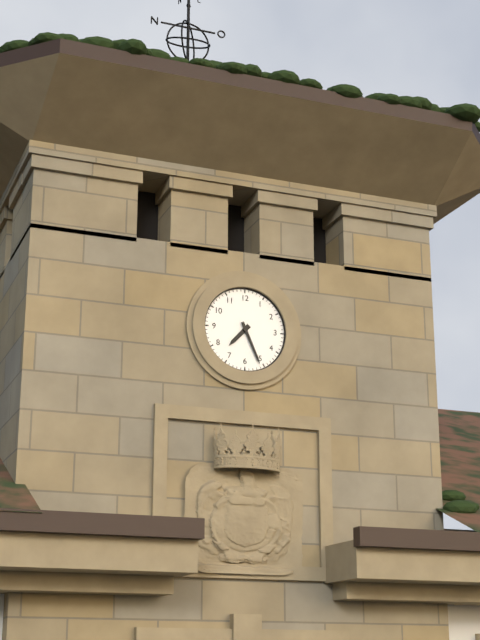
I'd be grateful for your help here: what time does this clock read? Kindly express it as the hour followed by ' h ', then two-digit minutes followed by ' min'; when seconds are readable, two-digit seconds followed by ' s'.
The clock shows 7 h 26 min
